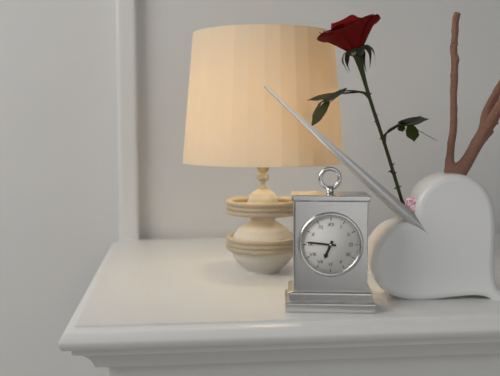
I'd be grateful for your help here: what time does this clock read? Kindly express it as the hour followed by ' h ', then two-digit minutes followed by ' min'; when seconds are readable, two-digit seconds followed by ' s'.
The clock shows 6 h 46 min
